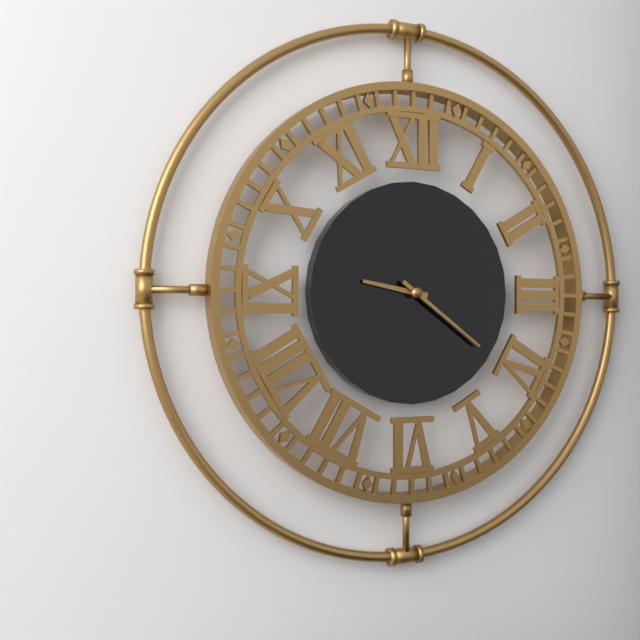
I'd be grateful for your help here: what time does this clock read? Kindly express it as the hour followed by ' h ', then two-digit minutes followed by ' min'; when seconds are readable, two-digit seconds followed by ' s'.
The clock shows 9 h 21 min
